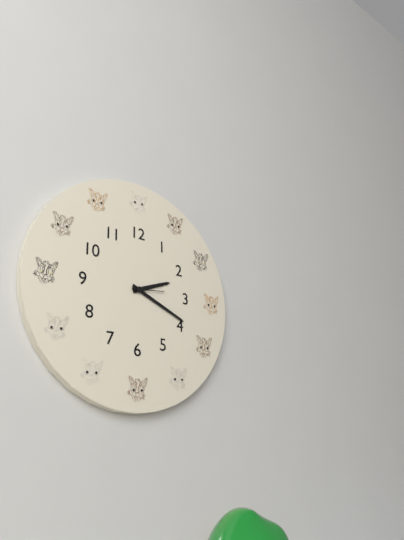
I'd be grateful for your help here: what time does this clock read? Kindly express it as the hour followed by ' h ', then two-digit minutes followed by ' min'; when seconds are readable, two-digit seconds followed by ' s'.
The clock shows 2 h 19 min
